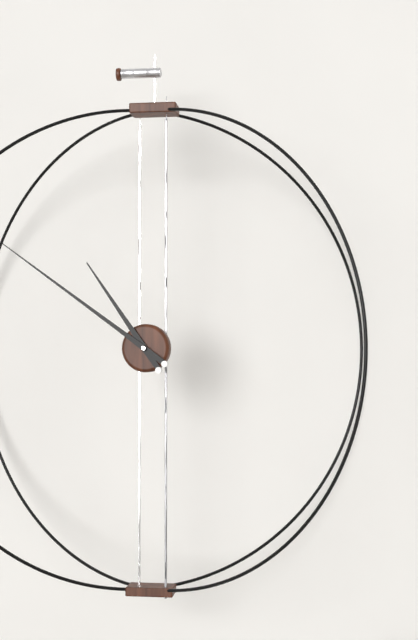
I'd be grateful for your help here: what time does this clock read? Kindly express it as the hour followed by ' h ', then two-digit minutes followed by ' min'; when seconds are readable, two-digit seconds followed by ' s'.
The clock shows 10 h 51 min
